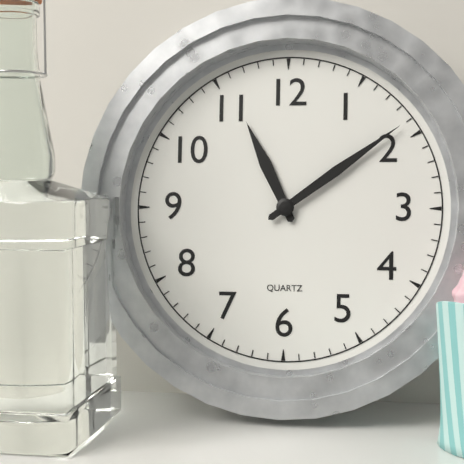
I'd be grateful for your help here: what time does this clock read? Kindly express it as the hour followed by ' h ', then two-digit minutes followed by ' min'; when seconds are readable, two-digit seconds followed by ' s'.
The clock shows 11 h 09 min
